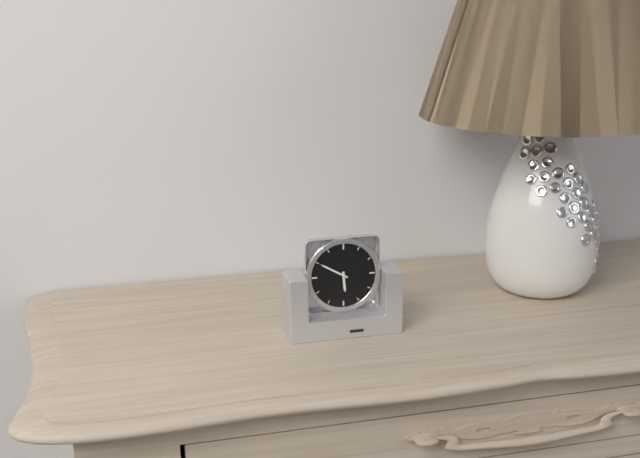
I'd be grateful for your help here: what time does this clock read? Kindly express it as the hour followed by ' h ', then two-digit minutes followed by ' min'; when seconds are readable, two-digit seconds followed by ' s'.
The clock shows 5 h 50 min
